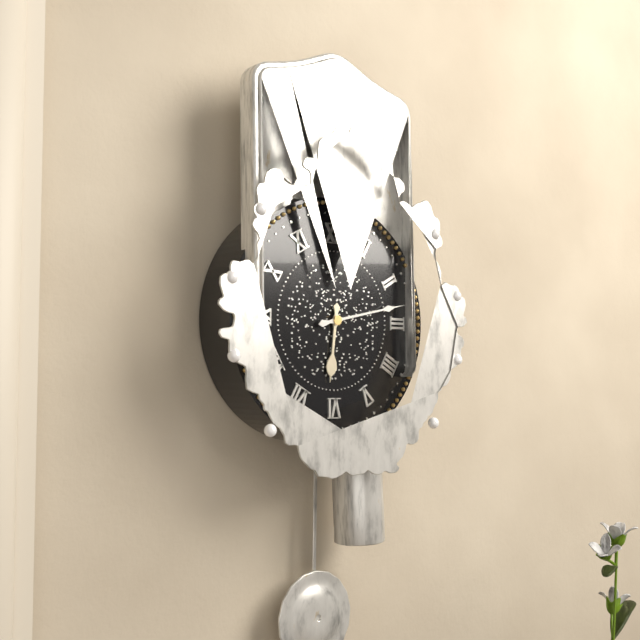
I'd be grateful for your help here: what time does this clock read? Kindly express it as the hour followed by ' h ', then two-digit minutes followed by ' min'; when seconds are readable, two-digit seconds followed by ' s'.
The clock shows 6 h 13 min
